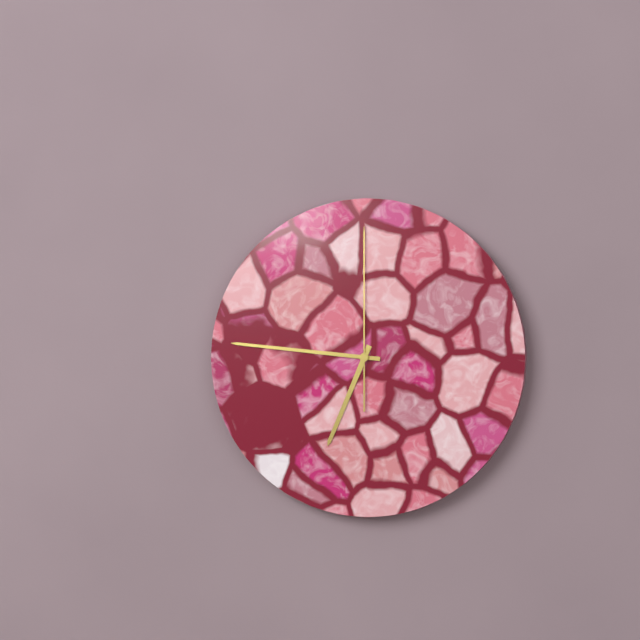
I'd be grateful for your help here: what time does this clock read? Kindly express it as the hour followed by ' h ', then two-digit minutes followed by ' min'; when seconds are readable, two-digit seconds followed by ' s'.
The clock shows 6 h 46 min 00 s
